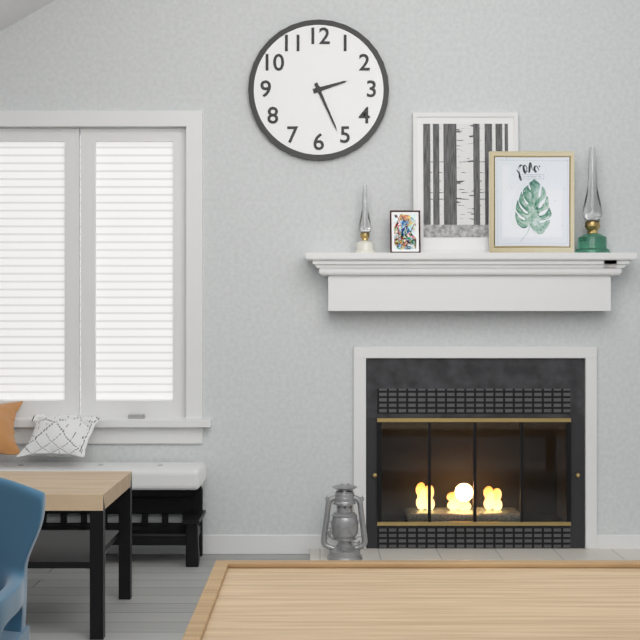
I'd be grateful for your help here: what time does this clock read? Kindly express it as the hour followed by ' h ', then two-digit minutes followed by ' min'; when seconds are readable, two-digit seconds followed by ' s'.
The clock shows 2 h 26 min
